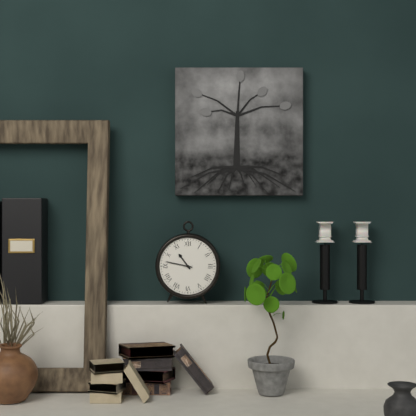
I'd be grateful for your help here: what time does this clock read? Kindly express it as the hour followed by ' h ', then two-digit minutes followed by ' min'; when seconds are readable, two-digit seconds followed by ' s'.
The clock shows 10 h 47 min
